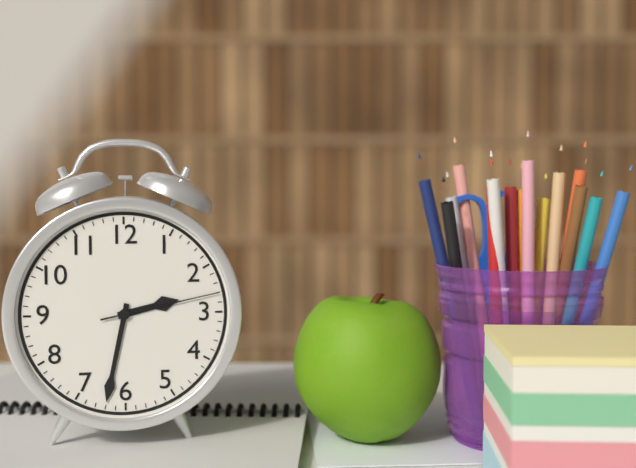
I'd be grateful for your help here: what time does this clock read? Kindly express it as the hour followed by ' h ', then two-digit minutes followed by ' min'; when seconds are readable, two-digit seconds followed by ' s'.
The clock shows 2 h 32 min 13 s
